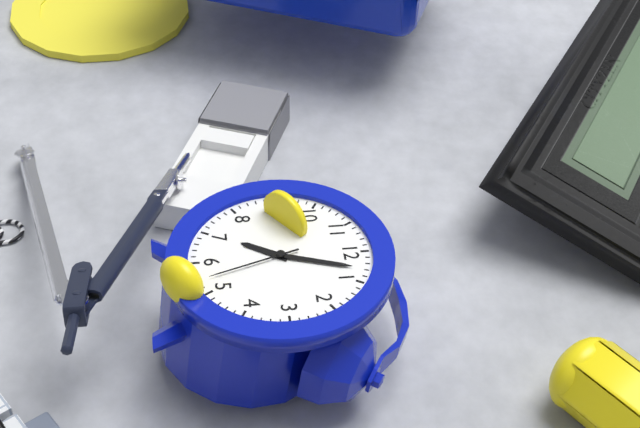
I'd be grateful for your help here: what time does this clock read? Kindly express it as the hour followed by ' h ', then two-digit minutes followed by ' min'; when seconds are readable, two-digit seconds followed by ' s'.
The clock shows 7 h 03 min 27 s
